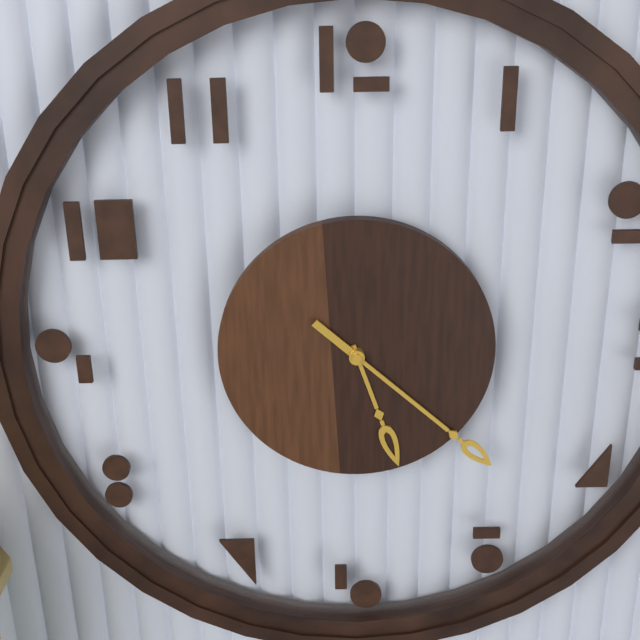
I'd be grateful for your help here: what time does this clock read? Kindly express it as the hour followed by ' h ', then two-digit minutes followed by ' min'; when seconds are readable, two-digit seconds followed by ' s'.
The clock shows 5 h 22 min
